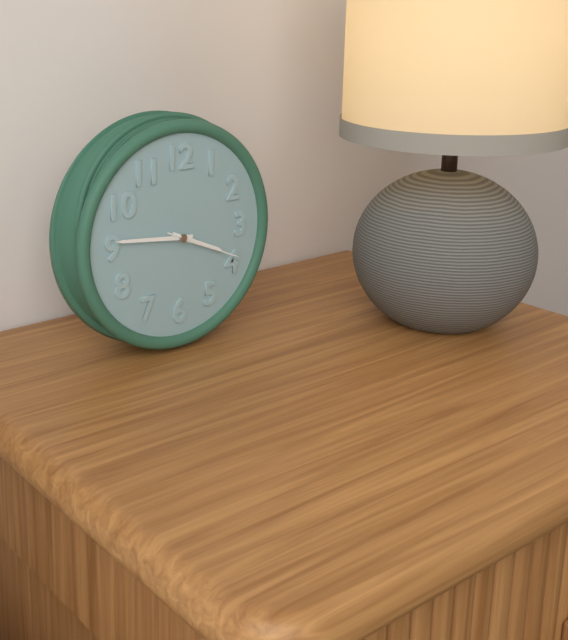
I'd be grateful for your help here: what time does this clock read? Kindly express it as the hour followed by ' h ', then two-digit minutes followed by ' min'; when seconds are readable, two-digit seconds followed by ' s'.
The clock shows 3 h 46 min 19 s
